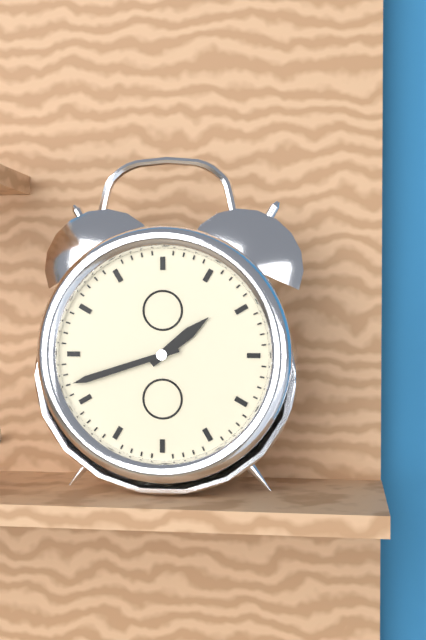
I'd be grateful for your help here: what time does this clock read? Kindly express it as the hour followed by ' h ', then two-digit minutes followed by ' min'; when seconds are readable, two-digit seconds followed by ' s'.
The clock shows 1 h 42 min
